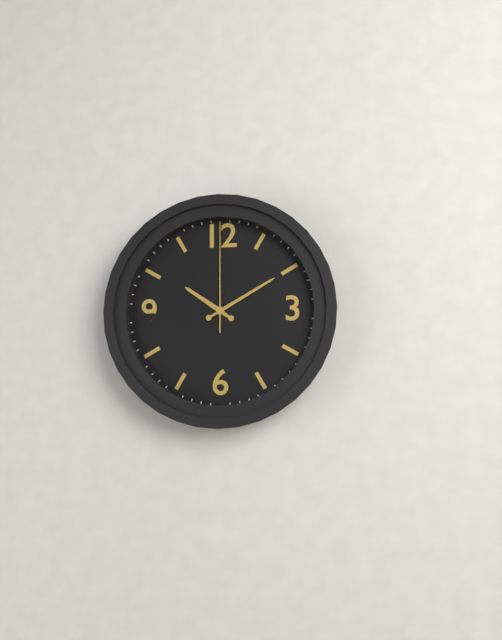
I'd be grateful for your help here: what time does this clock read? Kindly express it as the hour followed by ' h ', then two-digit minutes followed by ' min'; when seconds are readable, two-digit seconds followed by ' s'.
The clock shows 10 h 10 min 00 s
